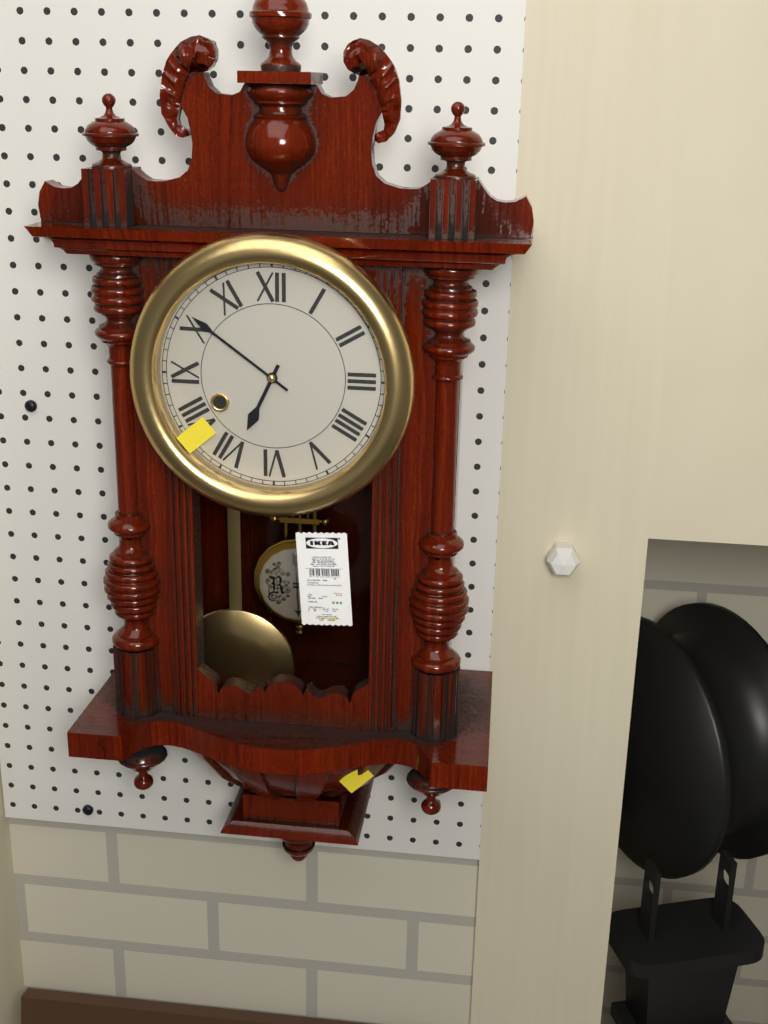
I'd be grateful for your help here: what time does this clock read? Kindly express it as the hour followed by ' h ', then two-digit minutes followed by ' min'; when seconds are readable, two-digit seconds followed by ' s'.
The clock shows 6 h 51 min
